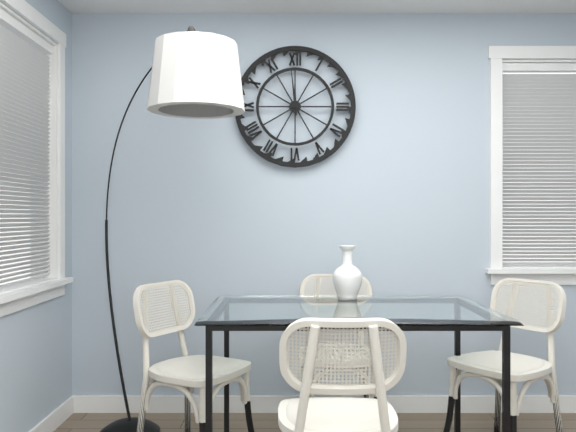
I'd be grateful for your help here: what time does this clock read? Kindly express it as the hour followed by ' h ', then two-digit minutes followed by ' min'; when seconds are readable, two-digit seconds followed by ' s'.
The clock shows 11 h 59 min
